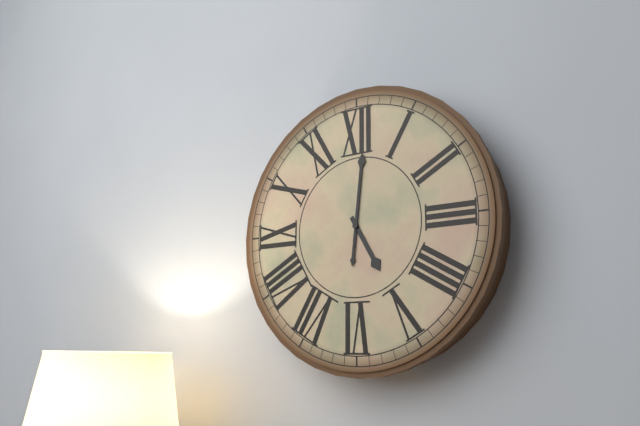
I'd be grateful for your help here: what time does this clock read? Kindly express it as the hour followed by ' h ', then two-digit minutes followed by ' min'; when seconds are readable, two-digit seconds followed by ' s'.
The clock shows 5 h 01 min
